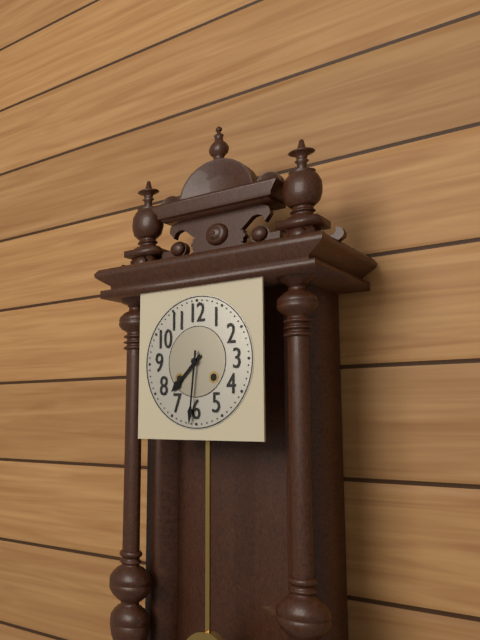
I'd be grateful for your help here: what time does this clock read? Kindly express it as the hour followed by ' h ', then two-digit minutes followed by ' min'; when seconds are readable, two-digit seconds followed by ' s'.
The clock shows 7 h 31 min
